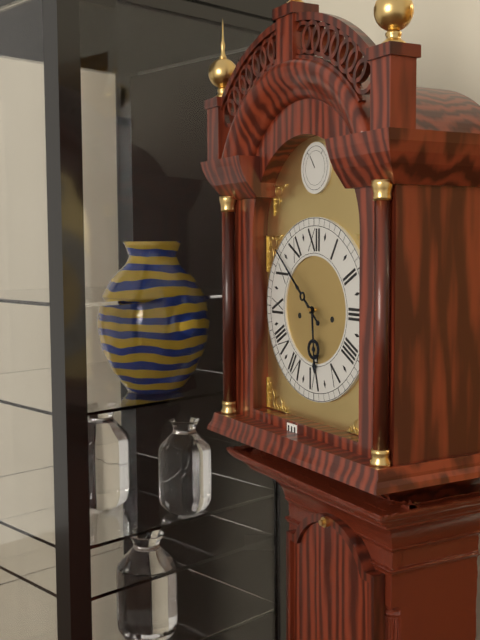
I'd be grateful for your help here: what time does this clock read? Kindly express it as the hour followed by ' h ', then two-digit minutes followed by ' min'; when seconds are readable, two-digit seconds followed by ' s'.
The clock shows 5 h 52 min
